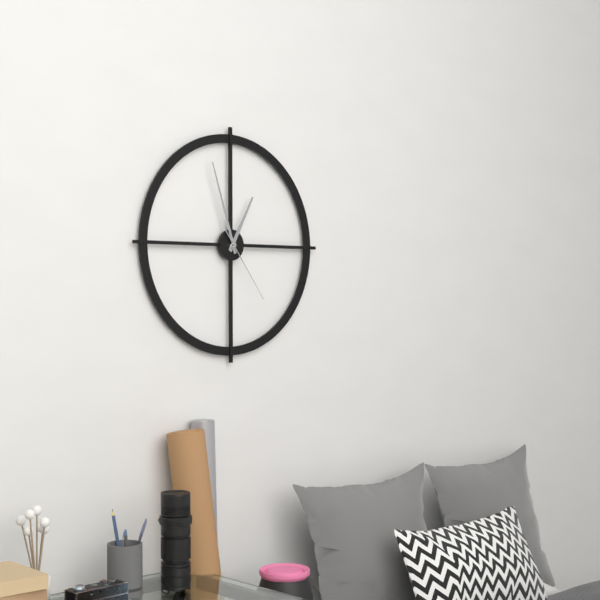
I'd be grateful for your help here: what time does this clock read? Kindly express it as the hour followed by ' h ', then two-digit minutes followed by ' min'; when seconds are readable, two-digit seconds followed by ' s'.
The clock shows 12 h 57 min 24 s
